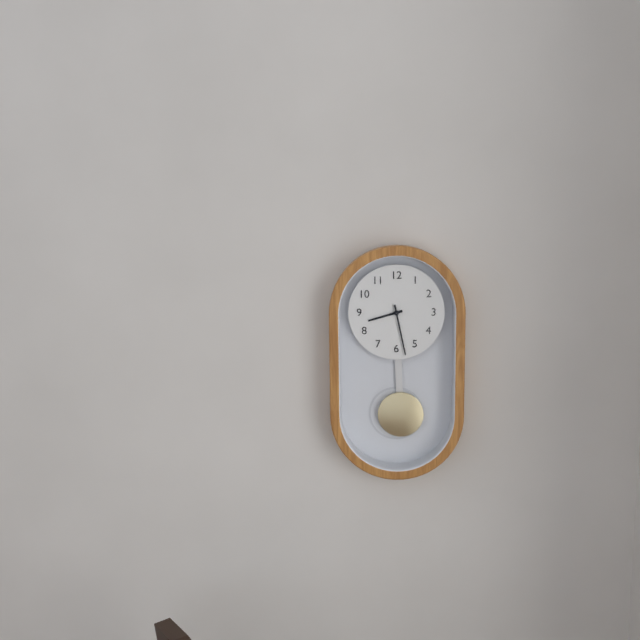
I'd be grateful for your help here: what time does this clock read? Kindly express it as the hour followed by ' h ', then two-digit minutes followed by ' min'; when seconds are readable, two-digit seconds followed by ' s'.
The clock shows 8 h 28 min
